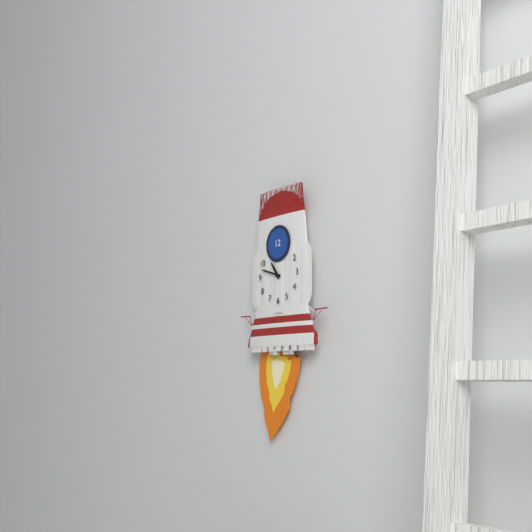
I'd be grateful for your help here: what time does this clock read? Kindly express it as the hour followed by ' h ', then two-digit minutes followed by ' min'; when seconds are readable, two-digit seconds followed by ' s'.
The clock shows 10 h 48 min
